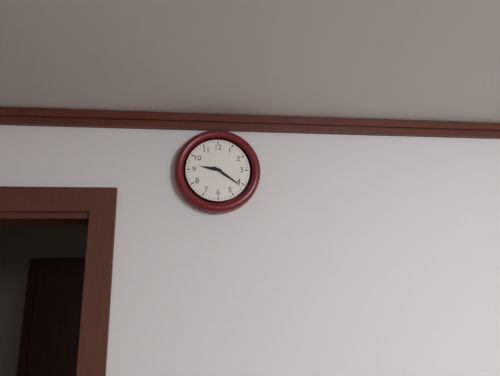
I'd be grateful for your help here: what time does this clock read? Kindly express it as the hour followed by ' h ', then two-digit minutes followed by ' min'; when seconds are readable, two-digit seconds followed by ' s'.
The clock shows 9 h 21 min
